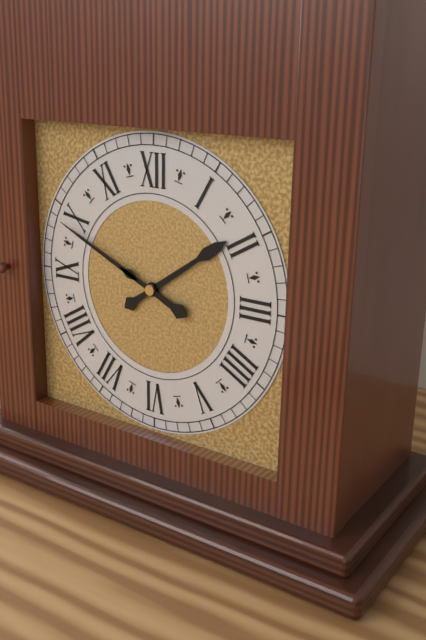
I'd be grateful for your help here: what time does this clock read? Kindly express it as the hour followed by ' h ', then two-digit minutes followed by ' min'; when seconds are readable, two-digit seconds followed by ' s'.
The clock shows 1 h 49 min
